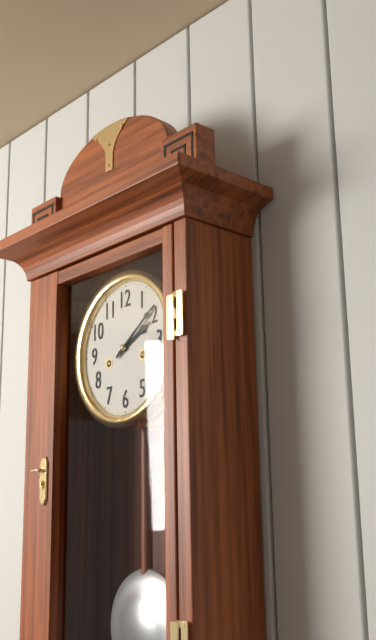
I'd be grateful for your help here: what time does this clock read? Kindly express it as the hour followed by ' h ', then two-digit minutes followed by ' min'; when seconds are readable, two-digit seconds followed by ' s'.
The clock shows 2 h 09 min
